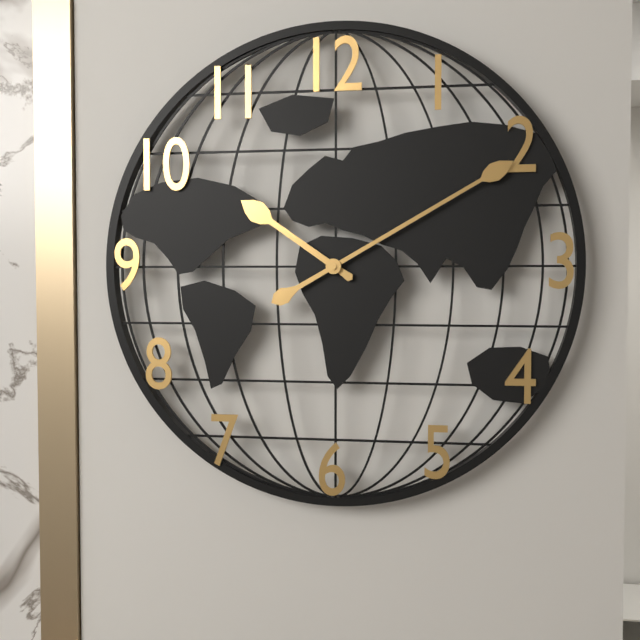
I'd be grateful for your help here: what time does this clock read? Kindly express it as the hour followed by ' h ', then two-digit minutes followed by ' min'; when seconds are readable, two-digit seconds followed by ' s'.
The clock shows 10 h 10 min
